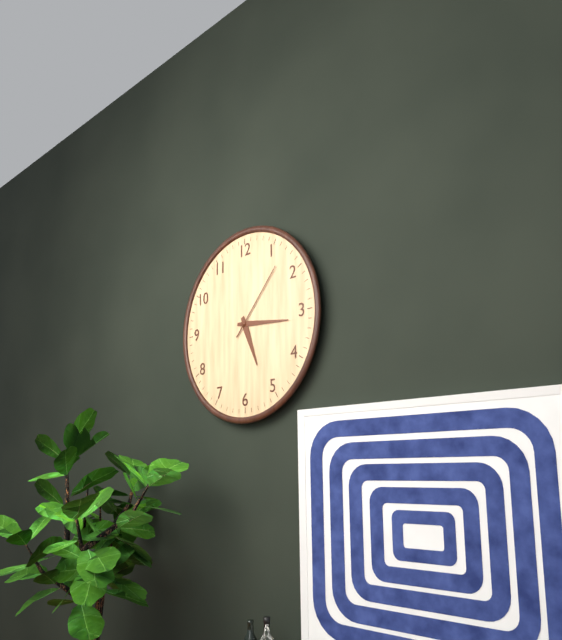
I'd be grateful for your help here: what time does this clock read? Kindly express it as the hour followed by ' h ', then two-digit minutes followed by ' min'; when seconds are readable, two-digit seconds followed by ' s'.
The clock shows 5 h 16 min 07 s
